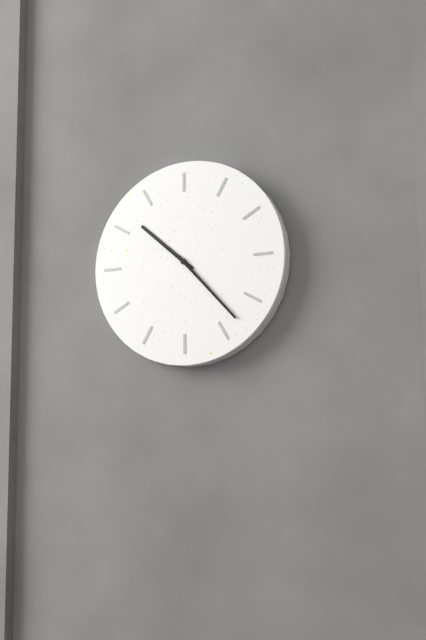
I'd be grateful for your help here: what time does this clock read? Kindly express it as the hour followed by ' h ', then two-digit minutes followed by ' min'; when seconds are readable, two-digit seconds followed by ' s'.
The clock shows 10 h 23 min
